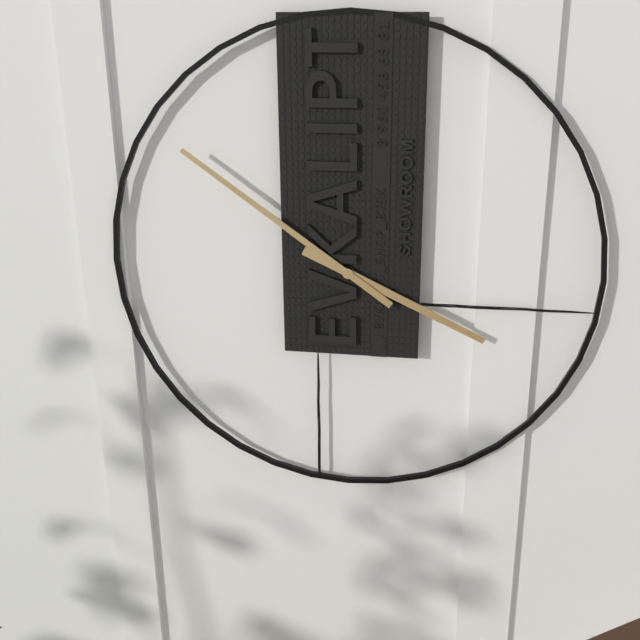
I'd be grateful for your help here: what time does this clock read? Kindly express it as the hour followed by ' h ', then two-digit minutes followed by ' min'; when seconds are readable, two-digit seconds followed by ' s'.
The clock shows 3 h 51 min
